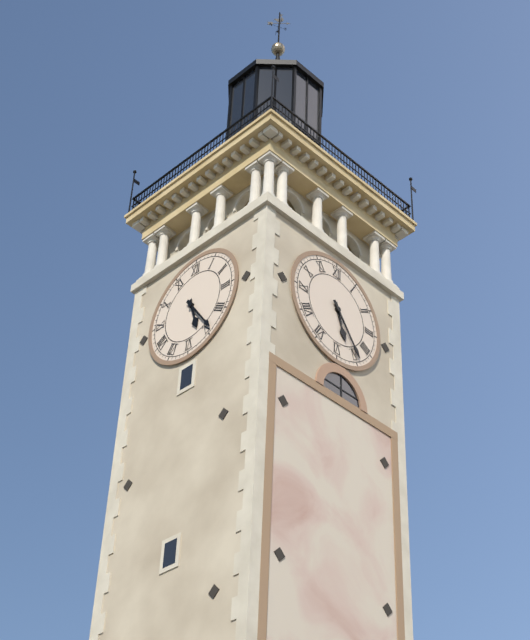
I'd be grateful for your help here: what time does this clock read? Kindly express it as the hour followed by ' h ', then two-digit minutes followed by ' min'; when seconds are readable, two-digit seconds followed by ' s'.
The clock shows 5 h 24 min
